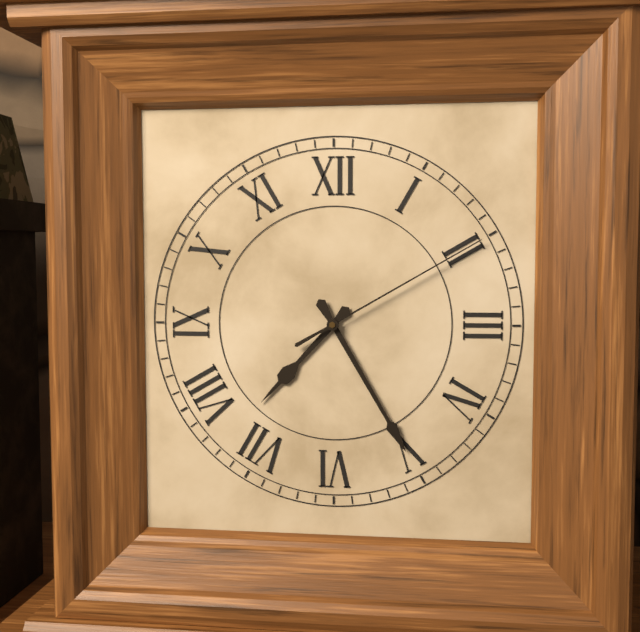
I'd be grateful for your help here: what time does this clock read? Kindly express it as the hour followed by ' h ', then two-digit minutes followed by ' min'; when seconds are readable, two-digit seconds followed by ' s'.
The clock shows 7 h 25 min 10 s
